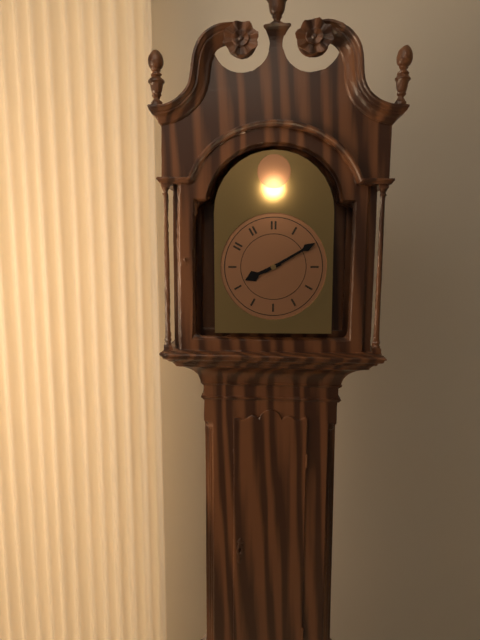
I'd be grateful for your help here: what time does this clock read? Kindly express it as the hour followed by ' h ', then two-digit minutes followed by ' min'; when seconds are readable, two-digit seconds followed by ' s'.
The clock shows 8 h 10 min
